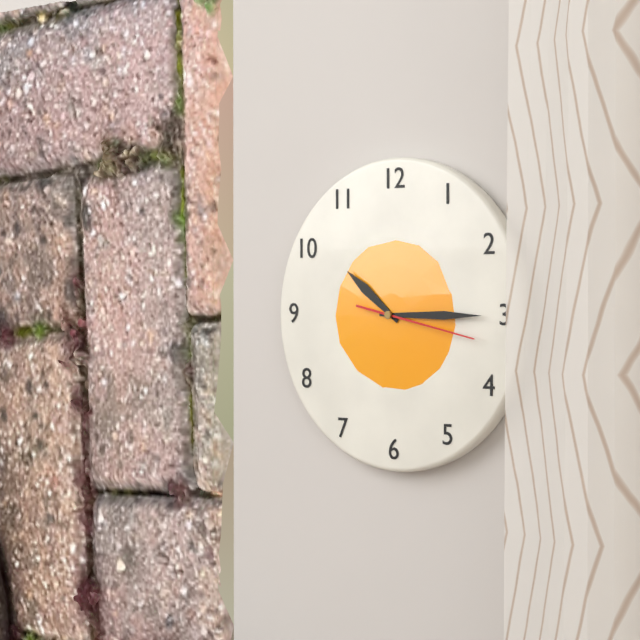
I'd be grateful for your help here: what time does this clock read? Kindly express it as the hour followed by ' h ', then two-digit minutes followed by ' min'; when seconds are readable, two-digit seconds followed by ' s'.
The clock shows 10 h 15 min 17 s
